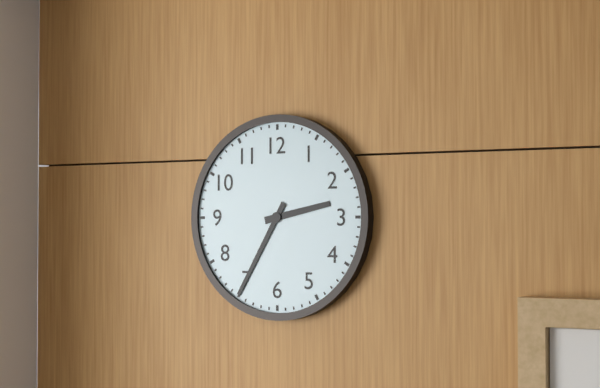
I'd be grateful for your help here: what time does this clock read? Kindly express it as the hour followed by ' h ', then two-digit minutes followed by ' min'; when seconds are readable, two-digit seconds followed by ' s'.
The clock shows 2 h 35 min
